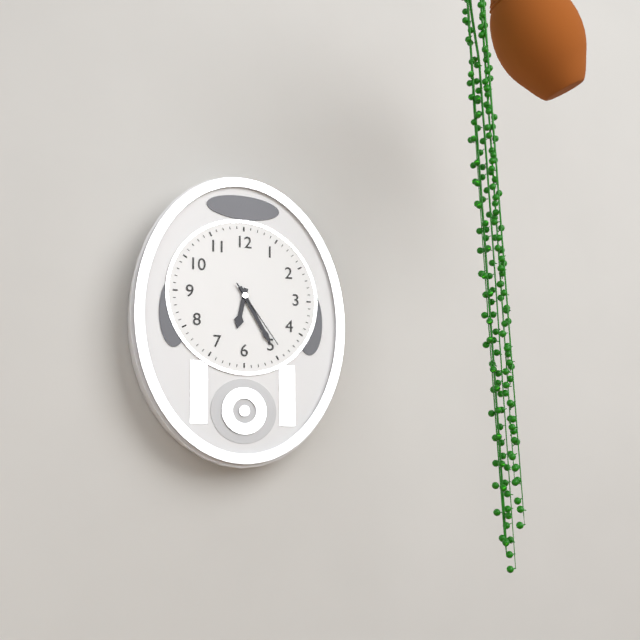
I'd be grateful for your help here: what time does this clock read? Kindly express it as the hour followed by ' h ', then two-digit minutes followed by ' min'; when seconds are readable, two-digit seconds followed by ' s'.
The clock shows 6 h 25 min 24 s
